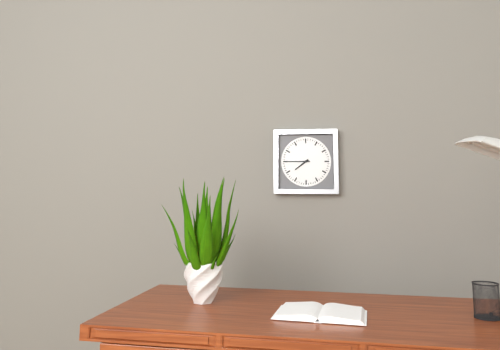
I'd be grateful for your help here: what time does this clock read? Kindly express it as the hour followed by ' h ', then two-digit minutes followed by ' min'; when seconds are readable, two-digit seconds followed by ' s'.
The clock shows 7 h 45 min
